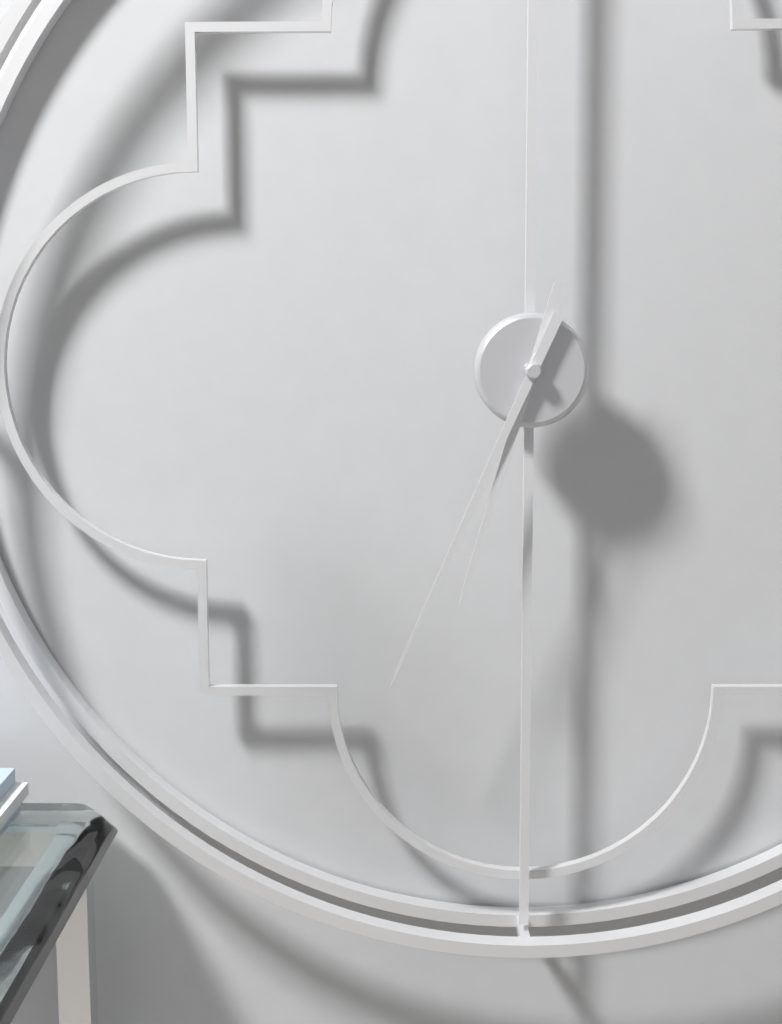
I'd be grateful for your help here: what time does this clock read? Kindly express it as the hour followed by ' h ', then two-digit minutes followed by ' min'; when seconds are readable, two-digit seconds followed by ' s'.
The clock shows 6 h 34 min
